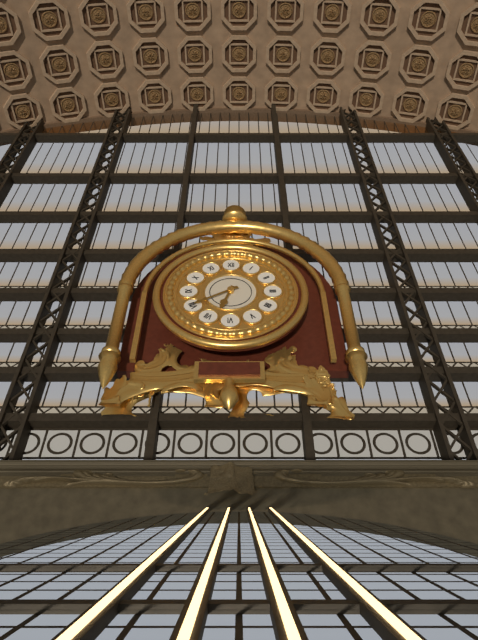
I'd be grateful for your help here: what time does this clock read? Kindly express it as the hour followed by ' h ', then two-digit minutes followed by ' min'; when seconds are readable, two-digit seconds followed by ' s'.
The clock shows 6 h 40 min
